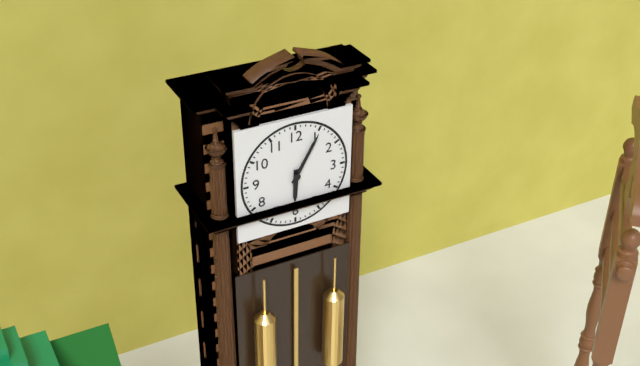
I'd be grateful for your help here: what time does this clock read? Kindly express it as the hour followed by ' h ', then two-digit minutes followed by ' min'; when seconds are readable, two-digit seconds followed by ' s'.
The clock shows 6 h 05 min
